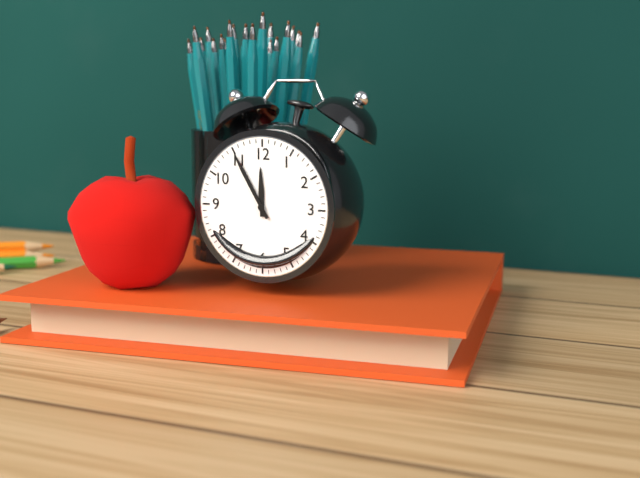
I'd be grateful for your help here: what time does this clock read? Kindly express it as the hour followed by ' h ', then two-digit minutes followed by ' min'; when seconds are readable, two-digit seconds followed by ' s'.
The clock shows 11 h 55 min
